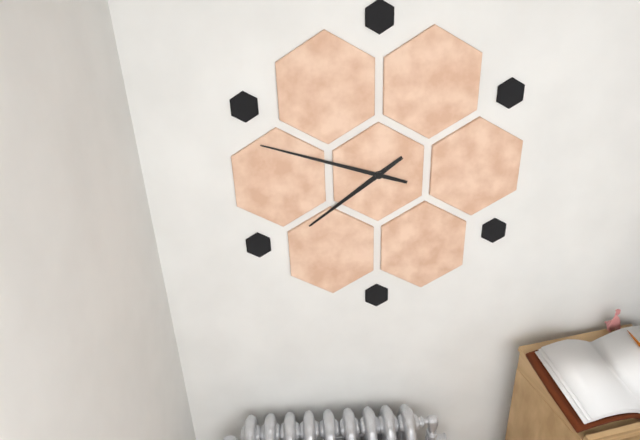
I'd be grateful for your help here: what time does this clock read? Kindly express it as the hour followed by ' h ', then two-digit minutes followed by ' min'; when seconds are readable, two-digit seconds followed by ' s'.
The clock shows 7 h 48 min
